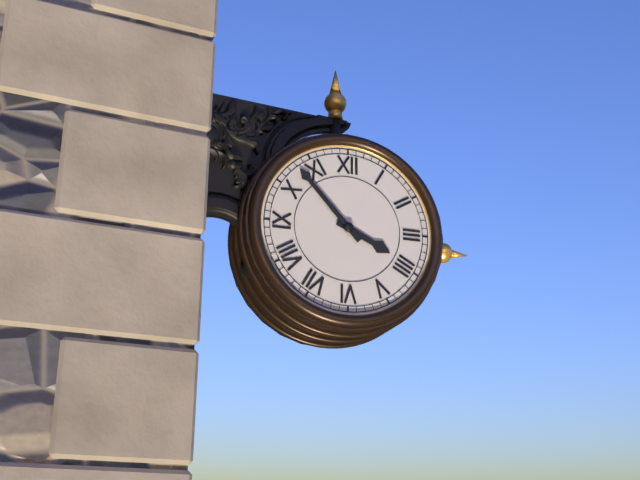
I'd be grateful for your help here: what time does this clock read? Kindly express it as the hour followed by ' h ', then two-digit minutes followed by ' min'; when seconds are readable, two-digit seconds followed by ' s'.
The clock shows 3 h 53 min
